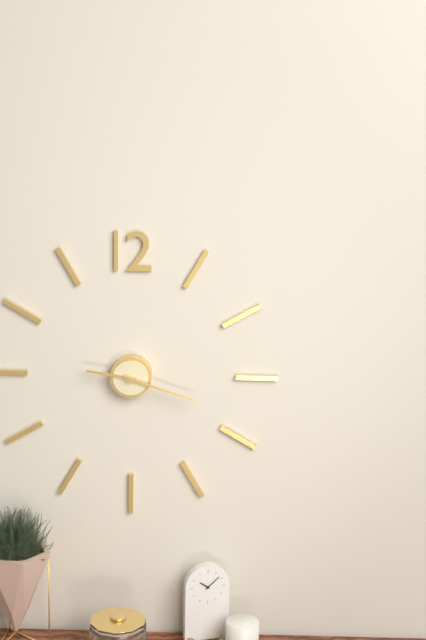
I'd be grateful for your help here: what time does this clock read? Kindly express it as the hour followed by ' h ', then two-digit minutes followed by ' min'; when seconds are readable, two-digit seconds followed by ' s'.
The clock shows 9 h 18 min
